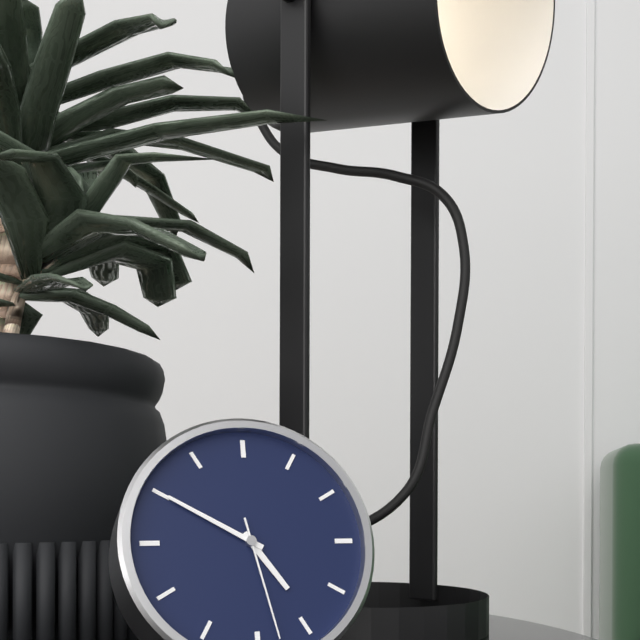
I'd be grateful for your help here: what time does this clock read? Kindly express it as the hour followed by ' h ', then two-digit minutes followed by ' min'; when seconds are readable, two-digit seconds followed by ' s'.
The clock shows 4 h 50 min 28 s
